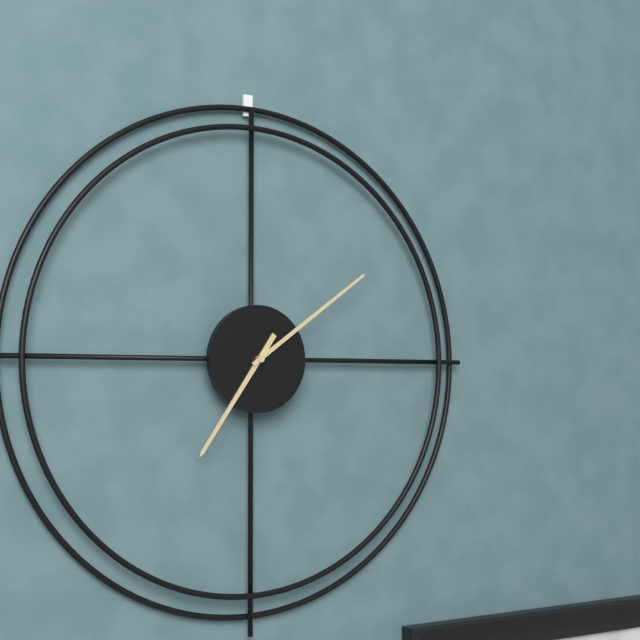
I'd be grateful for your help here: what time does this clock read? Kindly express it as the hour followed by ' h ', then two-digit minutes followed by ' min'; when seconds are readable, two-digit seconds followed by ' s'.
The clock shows 7 h 09 min
